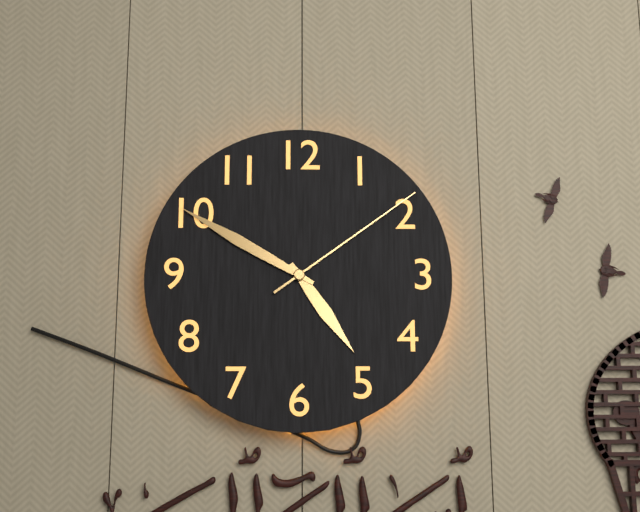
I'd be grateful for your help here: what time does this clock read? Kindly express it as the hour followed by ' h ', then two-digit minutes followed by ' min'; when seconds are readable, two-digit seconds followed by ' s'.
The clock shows 4 h 50 min 09 s
